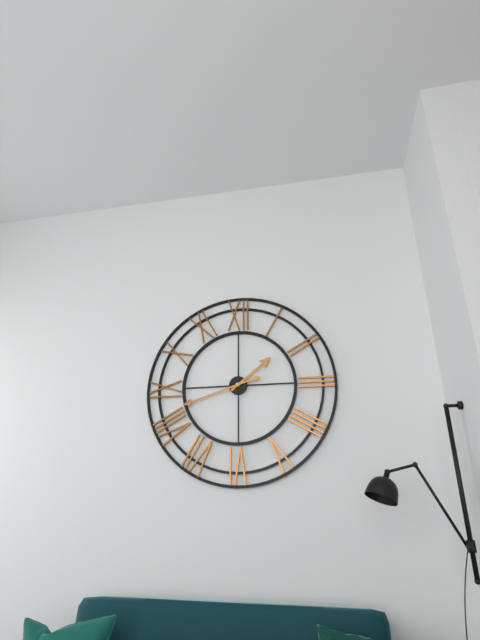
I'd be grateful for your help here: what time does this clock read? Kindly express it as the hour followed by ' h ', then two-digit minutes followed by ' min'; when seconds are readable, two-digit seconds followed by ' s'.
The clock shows 1 h 42 min
